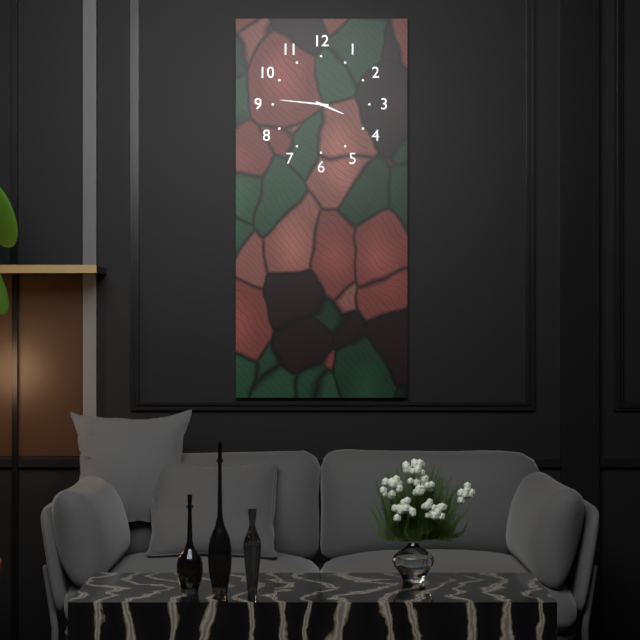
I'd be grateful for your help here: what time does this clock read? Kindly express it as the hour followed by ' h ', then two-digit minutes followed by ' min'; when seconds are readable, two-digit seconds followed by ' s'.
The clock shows 3 h 46 min
